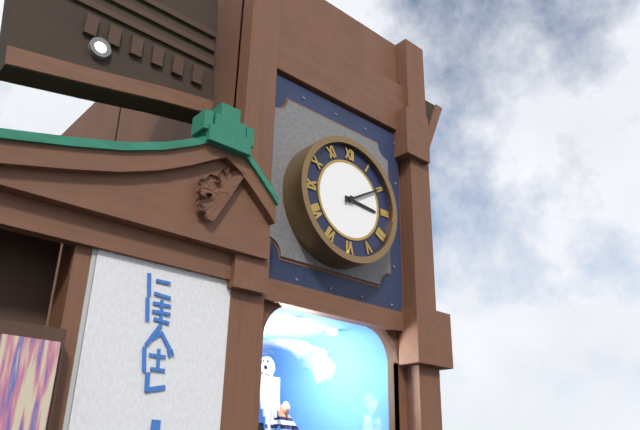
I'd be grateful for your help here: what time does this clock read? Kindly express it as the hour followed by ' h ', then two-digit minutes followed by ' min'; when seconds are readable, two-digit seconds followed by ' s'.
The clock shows 3 h 10 min
